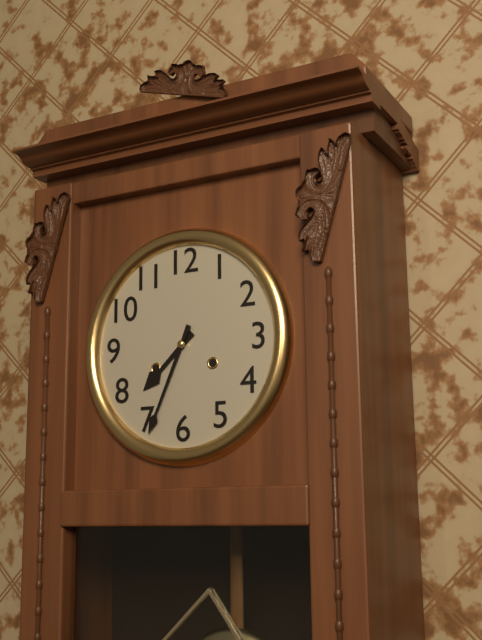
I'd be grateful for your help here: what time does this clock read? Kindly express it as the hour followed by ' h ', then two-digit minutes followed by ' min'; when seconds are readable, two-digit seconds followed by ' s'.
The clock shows 7 h 34 min
